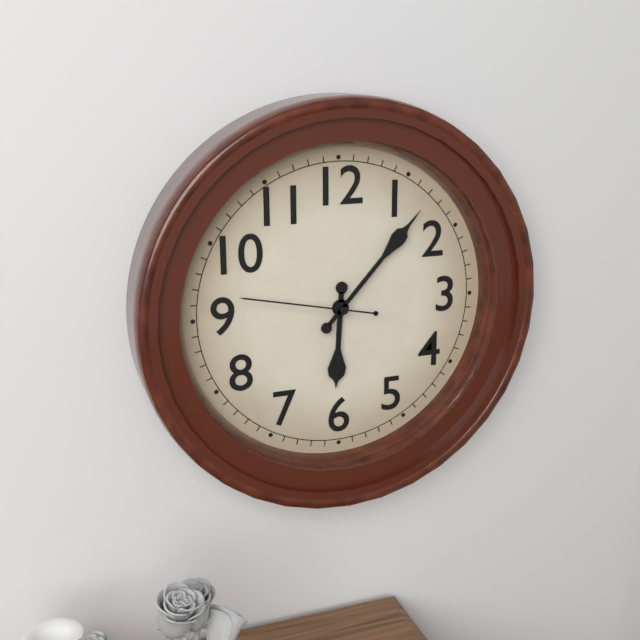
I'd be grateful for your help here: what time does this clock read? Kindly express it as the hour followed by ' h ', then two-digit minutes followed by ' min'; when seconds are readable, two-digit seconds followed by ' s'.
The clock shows 6 h 07 min 47 s
